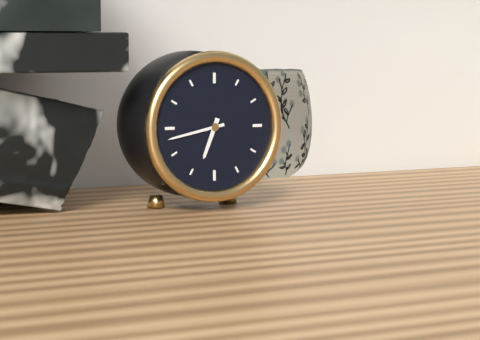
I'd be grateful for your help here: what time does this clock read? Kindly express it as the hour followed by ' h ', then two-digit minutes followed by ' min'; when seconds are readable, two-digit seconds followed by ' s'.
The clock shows 6 h 43 min
